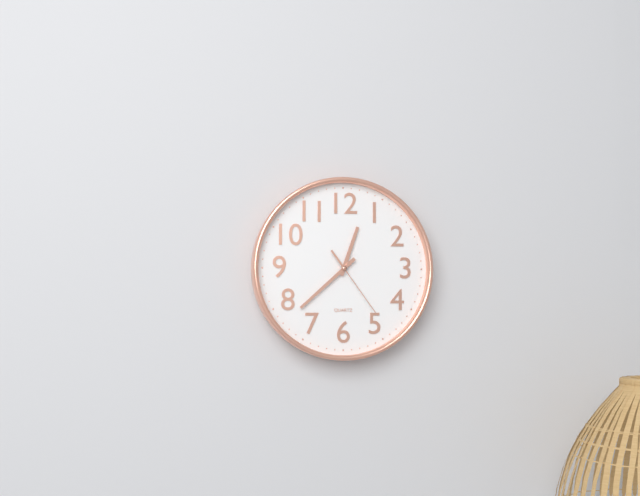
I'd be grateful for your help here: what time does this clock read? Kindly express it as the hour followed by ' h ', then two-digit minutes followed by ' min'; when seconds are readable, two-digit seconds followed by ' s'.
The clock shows 12 h 38 min 24 s
